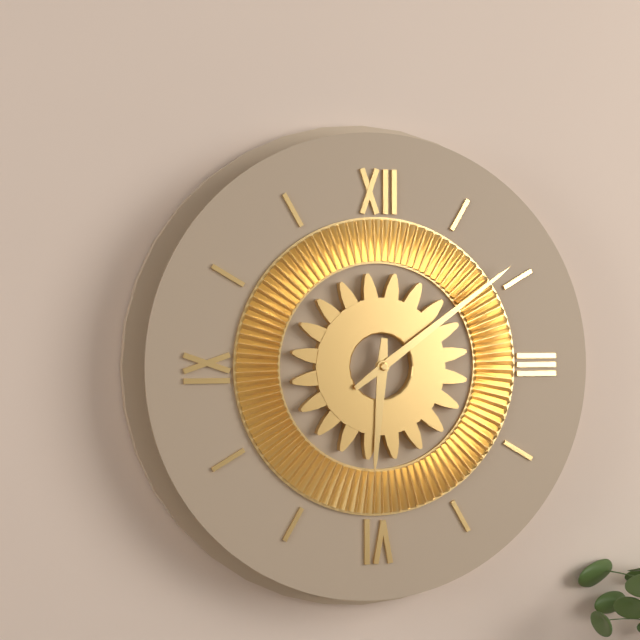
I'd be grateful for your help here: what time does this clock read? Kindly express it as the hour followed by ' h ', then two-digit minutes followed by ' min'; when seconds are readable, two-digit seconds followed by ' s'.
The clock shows 6 h 09 min
